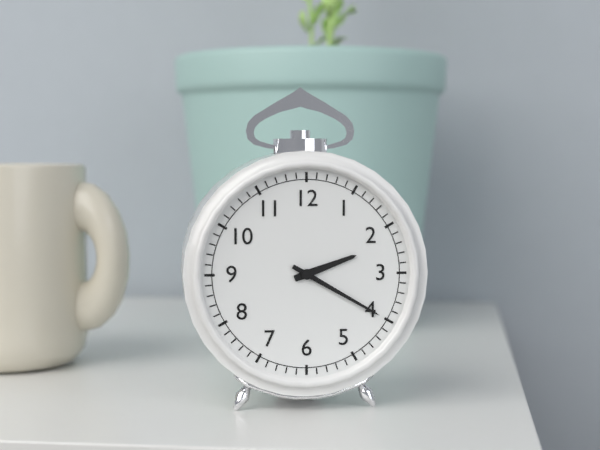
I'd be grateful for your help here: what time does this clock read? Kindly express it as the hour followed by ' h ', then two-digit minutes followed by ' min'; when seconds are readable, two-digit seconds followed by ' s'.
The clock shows 2 h 20 min
